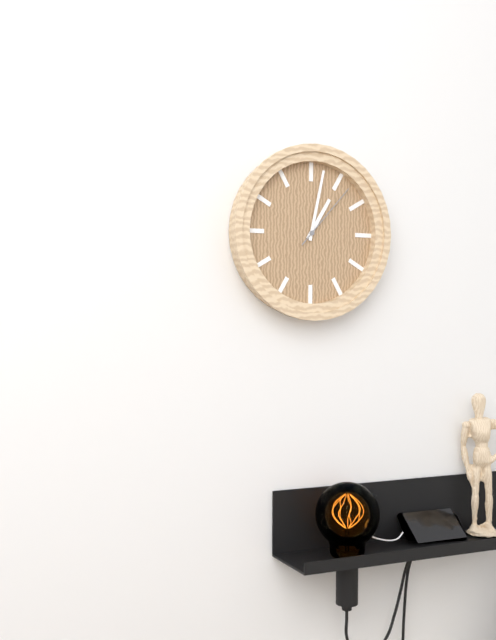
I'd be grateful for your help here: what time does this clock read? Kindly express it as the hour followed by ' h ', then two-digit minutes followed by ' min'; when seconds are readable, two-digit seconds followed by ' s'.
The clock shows 1 h 02 min 07 s
